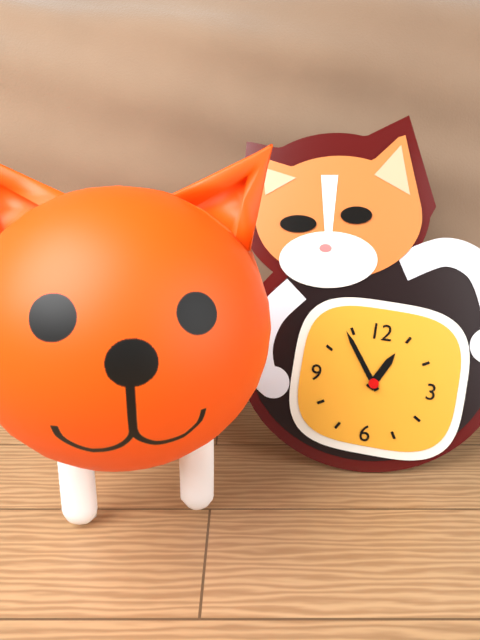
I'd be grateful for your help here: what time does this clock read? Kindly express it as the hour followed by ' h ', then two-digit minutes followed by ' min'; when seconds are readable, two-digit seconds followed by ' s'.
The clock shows 12 h 54 min
